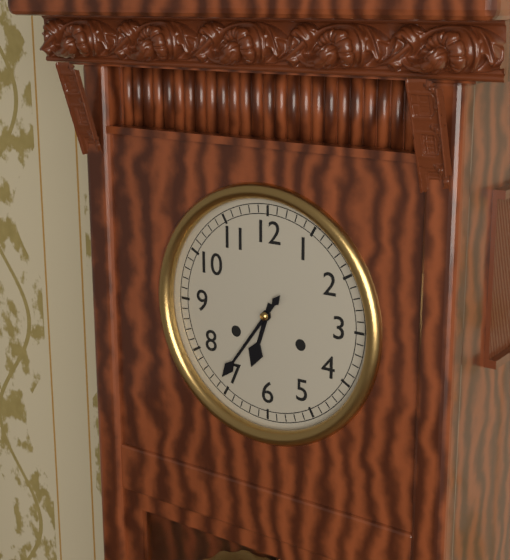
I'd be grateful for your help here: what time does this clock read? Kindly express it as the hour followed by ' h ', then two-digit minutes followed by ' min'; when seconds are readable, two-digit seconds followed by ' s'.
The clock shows 6 h 36 min
